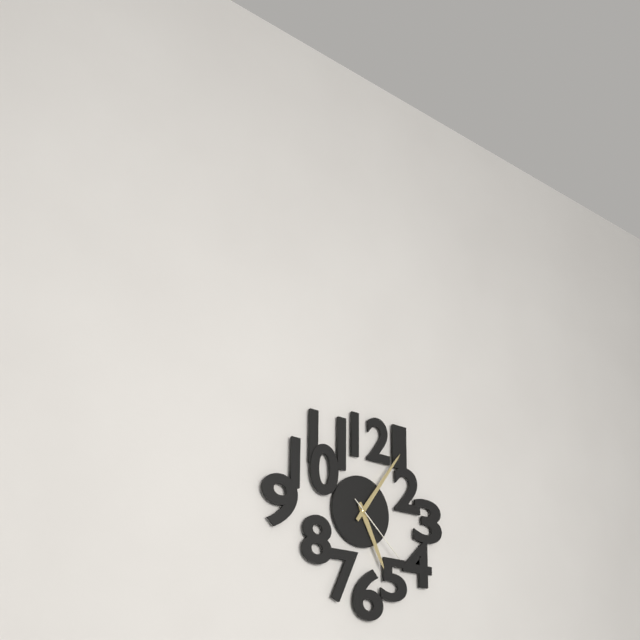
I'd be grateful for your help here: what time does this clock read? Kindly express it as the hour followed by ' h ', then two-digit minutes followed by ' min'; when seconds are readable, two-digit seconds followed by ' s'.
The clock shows 5 h 06 min 22 s
